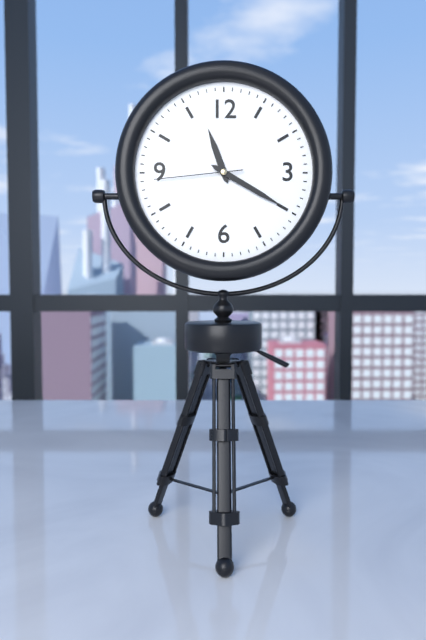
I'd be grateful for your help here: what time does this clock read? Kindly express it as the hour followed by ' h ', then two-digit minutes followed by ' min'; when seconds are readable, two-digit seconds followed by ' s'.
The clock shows 11 h 20 min 44 s
